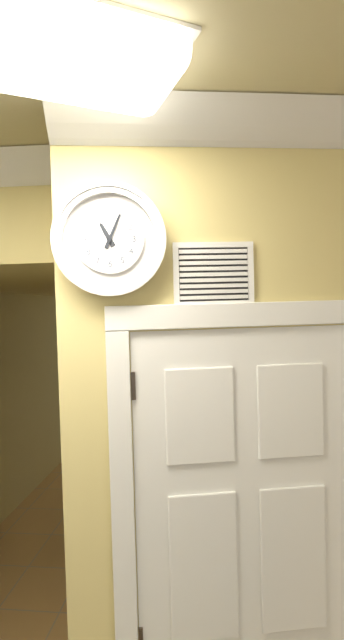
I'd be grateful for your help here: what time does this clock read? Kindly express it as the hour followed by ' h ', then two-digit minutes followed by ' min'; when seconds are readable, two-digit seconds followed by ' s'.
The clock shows 11 h 04 min
